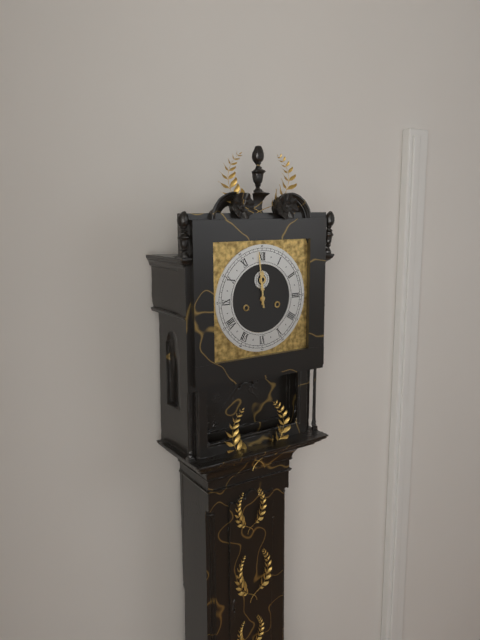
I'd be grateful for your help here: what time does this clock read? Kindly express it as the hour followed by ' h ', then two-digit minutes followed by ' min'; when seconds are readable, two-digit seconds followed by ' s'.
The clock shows 11 h 59 min
